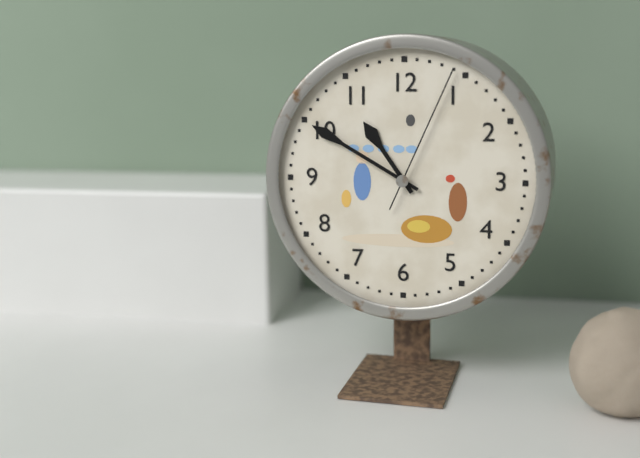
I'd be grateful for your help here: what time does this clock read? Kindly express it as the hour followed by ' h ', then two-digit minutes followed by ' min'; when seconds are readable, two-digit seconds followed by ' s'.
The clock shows 10 h 50 min 04 s
